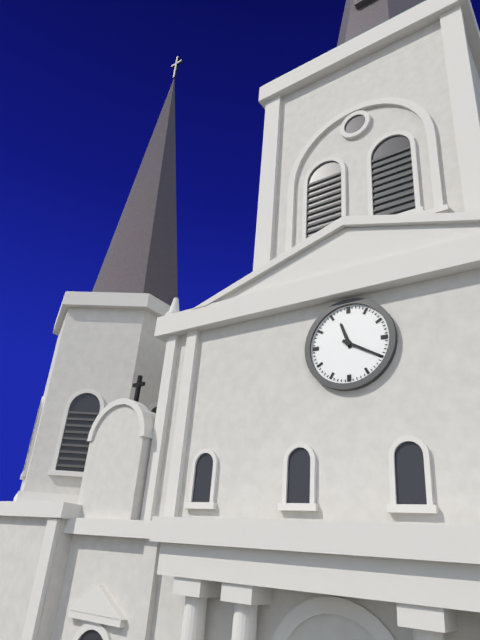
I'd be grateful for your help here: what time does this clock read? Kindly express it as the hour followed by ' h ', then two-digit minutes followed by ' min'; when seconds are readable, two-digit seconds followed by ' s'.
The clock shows 11 h 20 min
